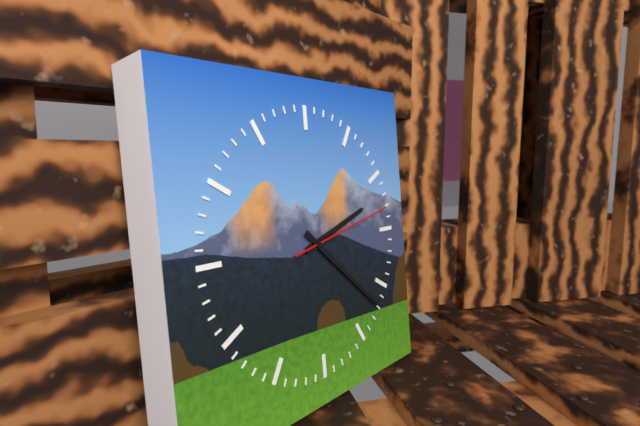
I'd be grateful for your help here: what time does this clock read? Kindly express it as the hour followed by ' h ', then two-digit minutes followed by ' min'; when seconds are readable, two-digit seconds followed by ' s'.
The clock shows 2 h 22 min 13 s
